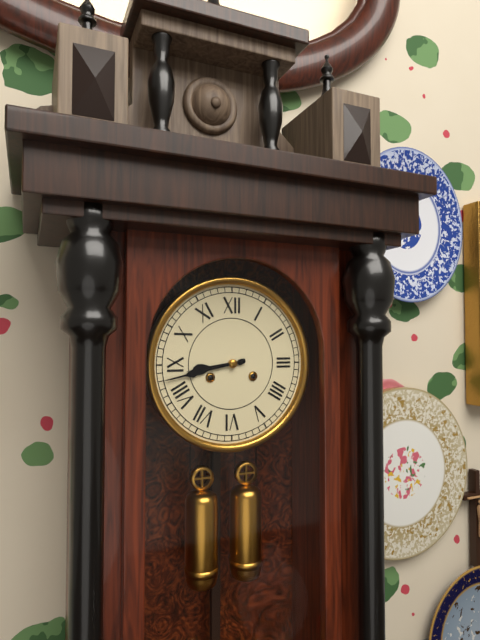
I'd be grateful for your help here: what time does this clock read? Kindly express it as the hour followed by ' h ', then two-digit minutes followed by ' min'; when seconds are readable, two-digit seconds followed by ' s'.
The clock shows 8 h 43 min
